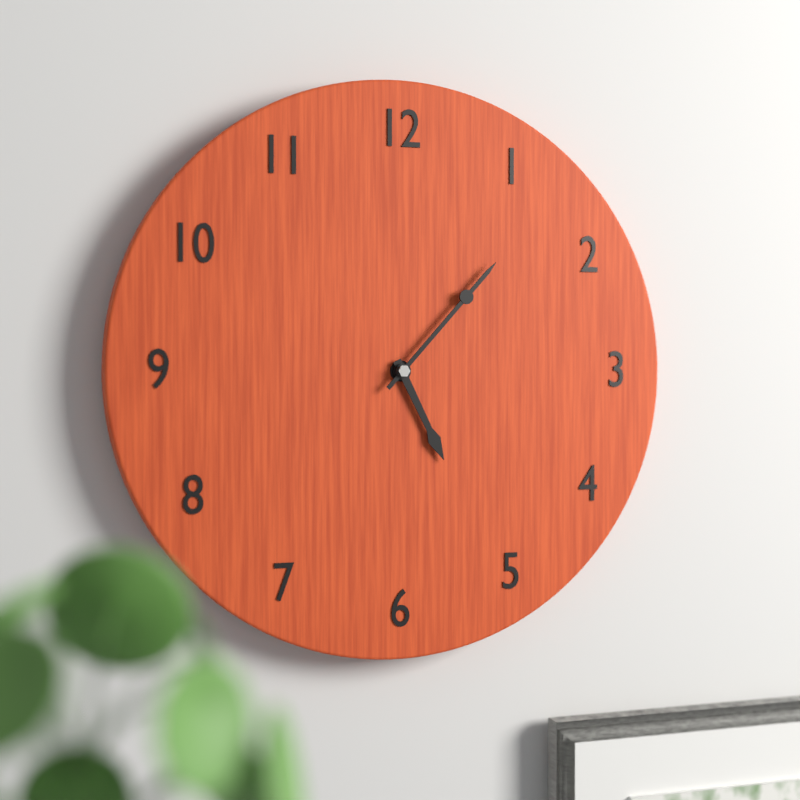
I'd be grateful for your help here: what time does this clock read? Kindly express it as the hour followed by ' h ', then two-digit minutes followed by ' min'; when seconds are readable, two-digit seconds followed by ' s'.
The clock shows 5 h 07 min
